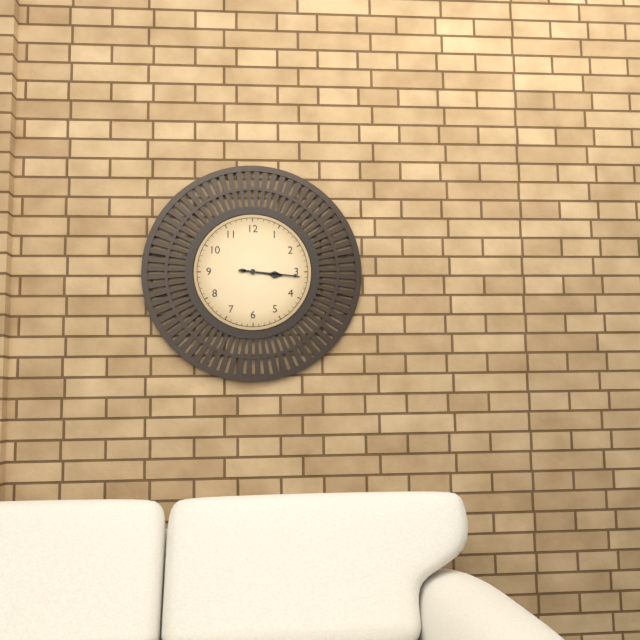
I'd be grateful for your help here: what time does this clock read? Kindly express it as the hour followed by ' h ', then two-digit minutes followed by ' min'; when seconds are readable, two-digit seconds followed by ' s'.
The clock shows 3 h 16 min
